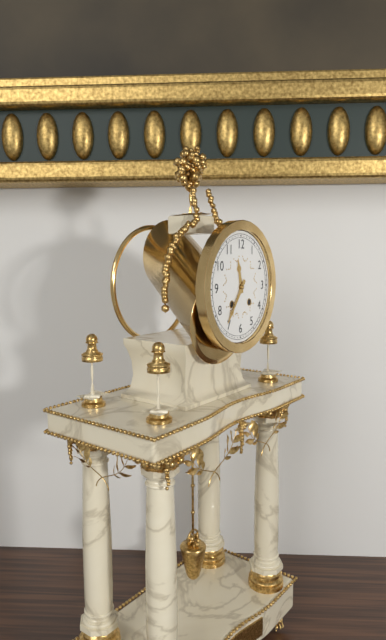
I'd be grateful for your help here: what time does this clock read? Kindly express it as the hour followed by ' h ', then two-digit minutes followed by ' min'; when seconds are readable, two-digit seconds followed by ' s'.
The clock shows 11 h 36 min
